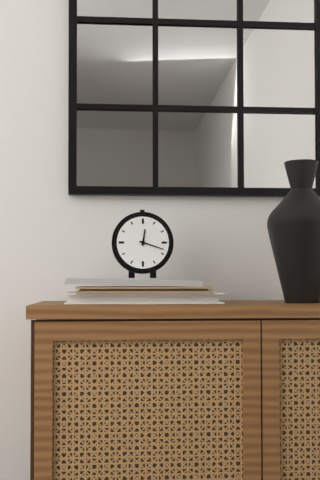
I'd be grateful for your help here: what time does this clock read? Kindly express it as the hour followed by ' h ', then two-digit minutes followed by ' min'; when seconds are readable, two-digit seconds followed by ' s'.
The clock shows 12 h 18 min
